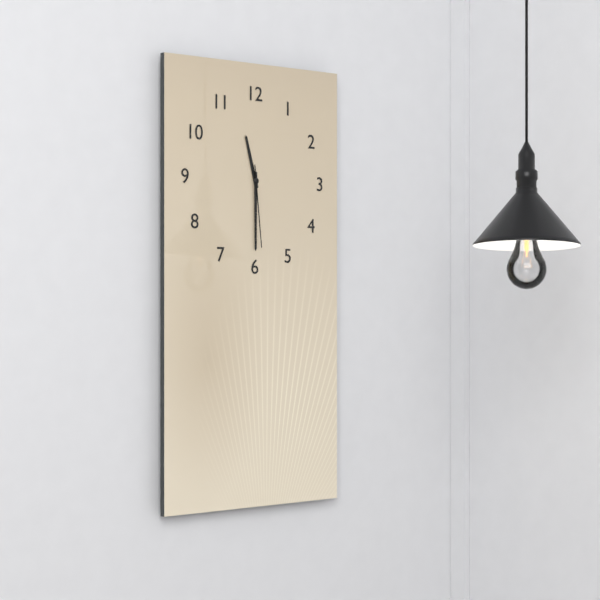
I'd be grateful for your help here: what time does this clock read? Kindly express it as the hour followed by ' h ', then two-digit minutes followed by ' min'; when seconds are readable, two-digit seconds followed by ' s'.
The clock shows 11 h 30 min 29 s
